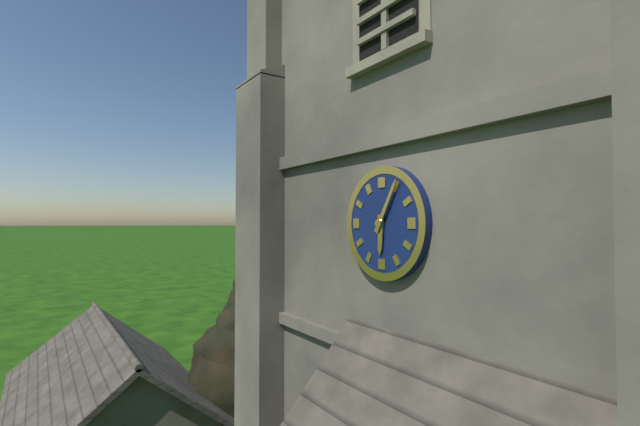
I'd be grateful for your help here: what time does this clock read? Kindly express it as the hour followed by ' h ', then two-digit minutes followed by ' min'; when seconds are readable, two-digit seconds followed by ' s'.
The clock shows 6 h 05 min
